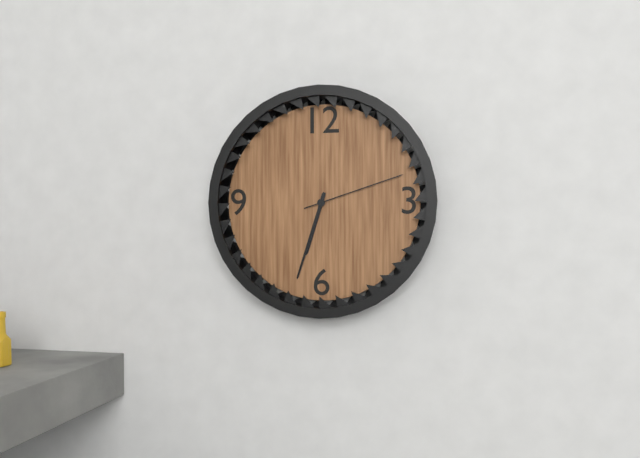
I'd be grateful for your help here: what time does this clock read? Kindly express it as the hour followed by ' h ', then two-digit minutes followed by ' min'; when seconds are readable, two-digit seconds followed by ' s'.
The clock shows 6 h 33 min 12 s
